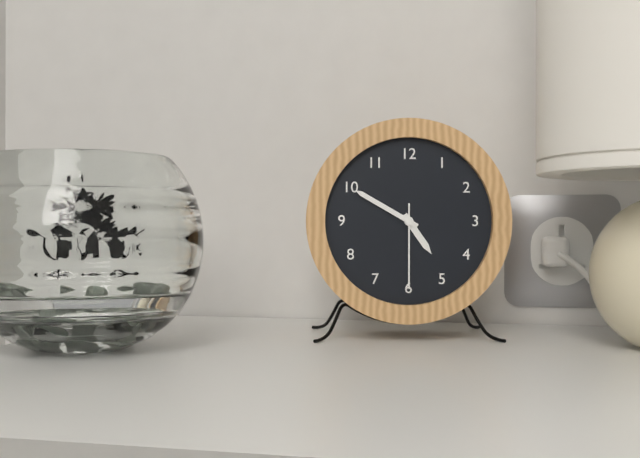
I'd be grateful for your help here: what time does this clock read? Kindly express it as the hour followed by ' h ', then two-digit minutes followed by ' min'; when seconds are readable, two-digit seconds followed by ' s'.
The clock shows 4 h 50 min 30 s
